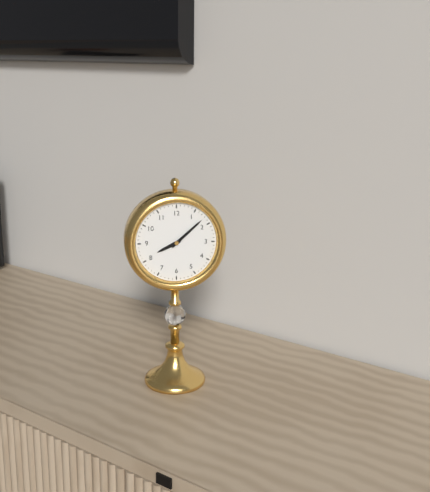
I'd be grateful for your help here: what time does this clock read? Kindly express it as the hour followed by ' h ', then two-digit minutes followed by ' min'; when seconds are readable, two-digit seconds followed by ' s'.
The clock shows 8 h 08 min
